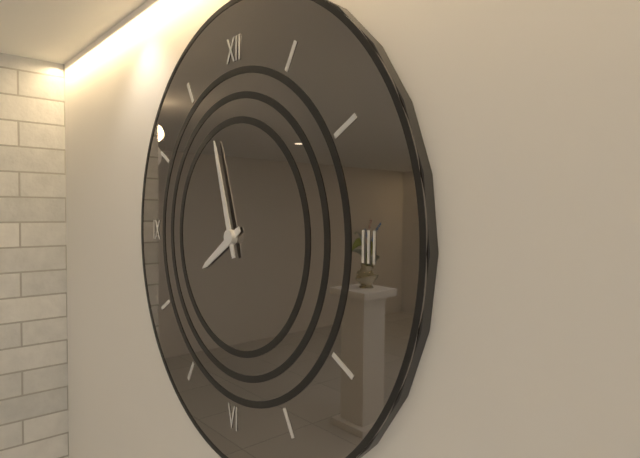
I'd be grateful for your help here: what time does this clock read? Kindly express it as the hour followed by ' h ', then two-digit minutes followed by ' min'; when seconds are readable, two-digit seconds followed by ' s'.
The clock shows 7 h 57 min
